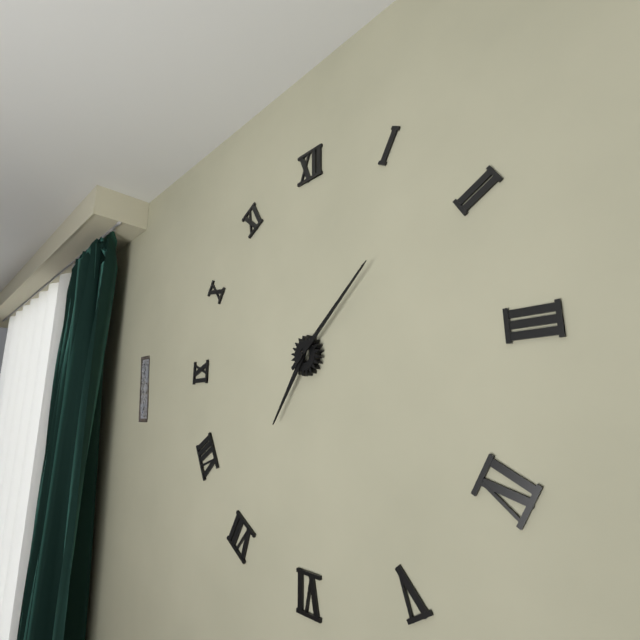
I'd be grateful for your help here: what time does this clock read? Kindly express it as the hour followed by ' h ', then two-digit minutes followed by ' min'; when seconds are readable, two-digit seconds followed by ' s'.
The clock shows 7 h 08 min
